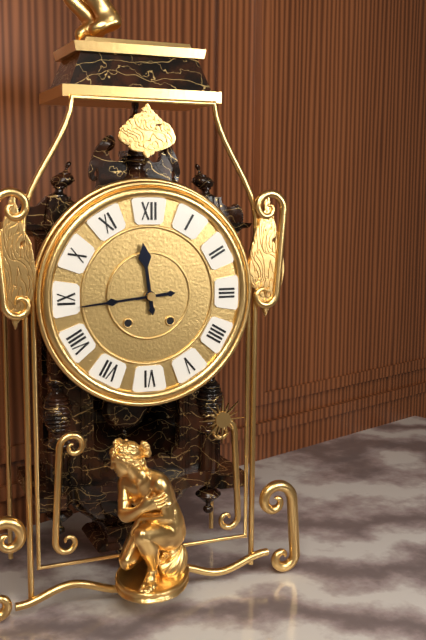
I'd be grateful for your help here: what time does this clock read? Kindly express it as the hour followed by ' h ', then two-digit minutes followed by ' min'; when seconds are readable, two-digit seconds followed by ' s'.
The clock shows 11 h 44 min
